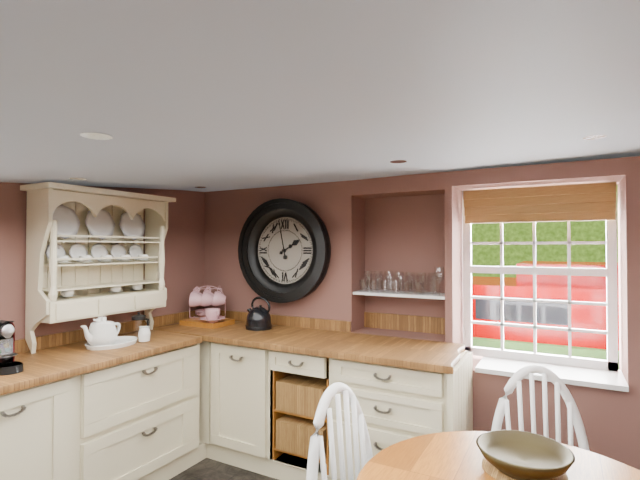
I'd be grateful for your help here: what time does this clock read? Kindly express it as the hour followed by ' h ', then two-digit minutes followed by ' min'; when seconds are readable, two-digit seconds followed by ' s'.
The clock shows 1 h 58 min
